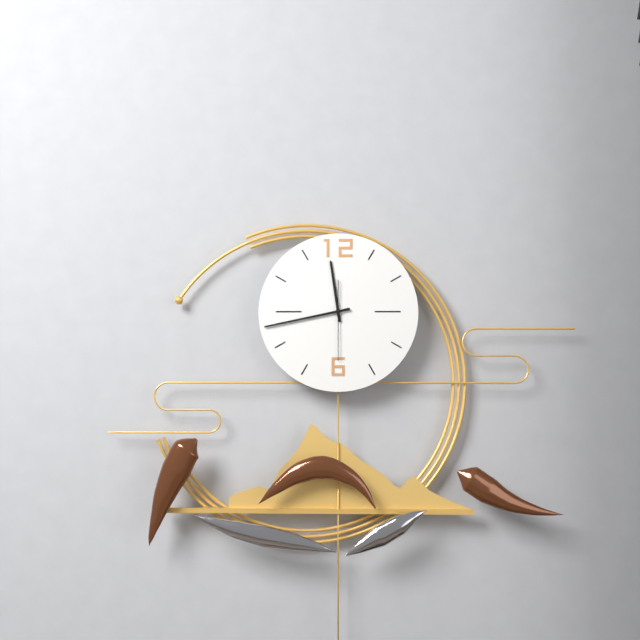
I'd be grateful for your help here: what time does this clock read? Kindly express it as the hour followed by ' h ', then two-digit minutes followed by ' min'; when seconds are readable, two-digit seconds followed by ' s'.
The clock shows 11 h 43 min 30 s
